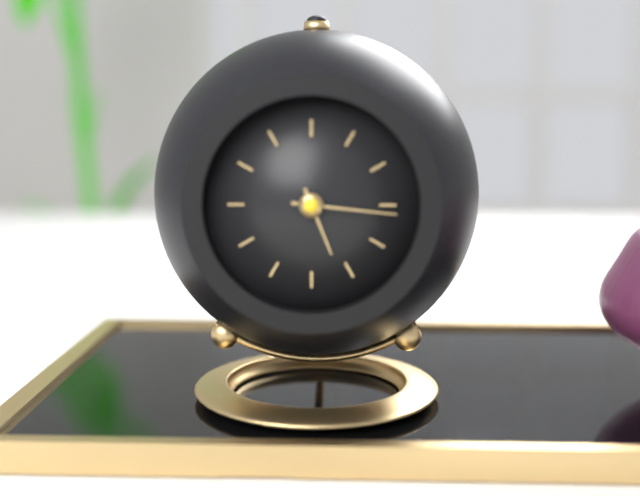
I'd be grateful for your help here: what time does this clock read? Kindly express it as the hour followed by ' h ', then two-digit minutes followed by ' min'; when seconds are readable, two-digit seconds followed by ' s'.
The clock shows 5 h 16 min
